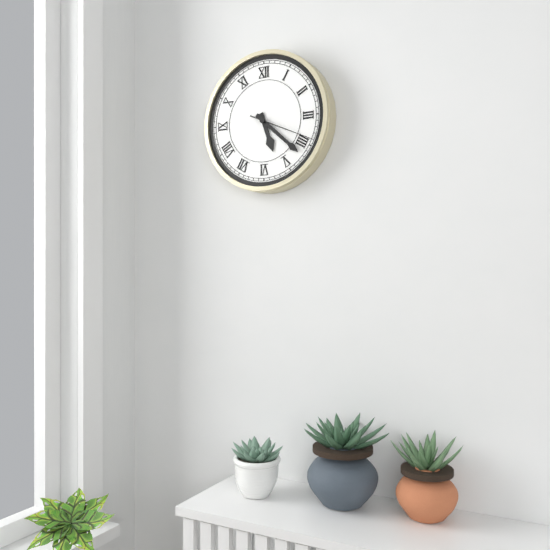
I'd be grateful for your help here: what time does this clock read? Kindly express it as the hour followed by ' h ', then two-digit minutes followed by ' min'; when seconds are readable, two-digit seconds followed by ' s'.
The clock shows 5 h 22 min 19 s
